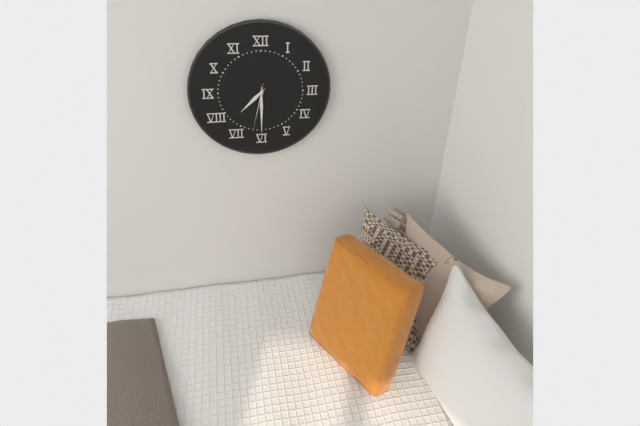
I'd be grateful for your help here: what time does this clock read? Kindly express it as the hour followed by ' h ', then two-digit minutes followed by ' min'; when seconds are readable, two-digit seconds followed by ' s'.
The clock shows 7 h 30 min 32 s
